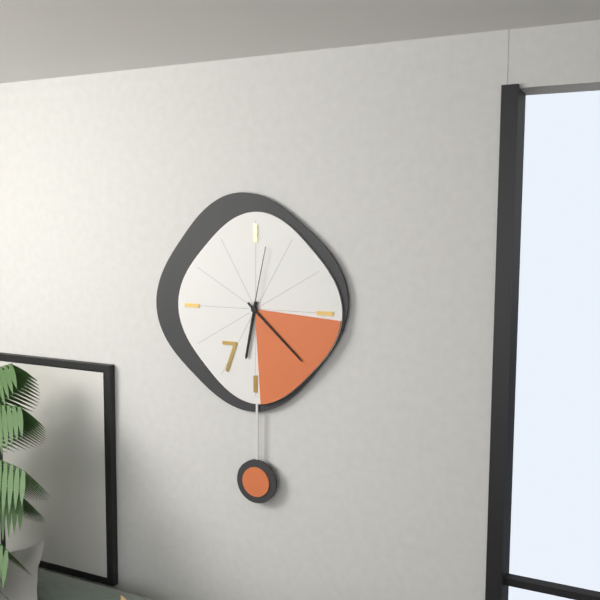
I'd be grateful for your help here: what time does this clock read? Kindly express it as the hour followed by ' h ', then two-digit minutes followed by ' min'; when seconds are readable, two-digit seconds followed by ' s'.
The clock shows 6 h 22 min 02 s
